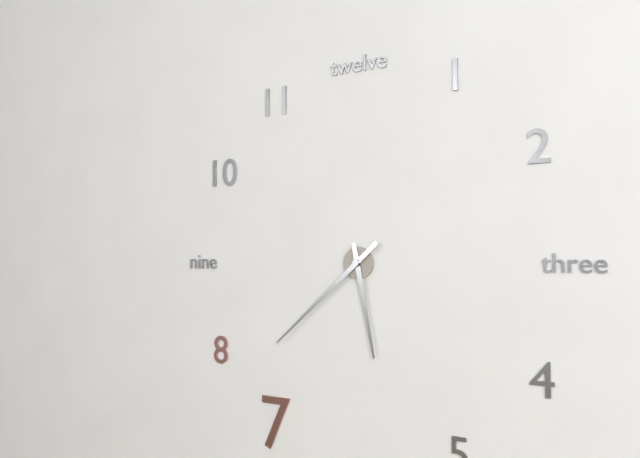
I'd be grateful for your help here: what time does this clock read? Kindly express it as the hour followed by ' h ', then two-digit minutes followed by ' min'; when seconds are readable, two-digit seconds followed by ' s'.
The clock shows 5 h 38 min
